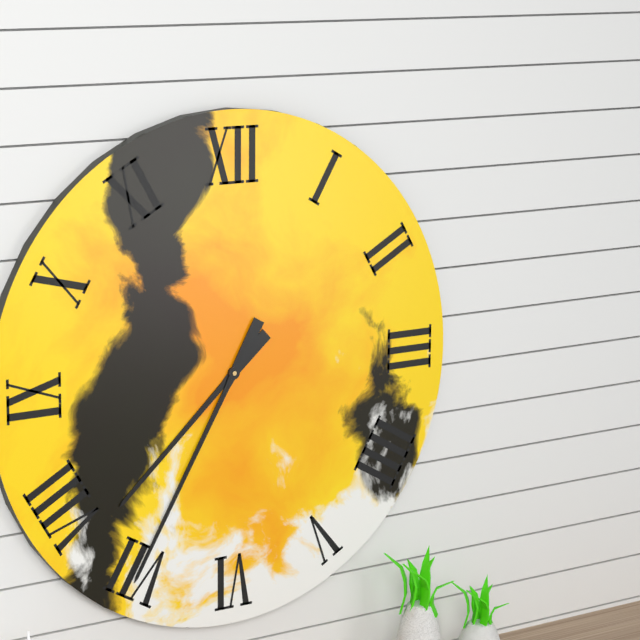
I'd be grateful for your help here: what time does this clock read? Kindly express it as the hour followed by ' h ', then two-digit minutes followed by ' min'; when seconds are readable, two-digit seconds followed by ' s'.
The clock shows 7 h 35 min
